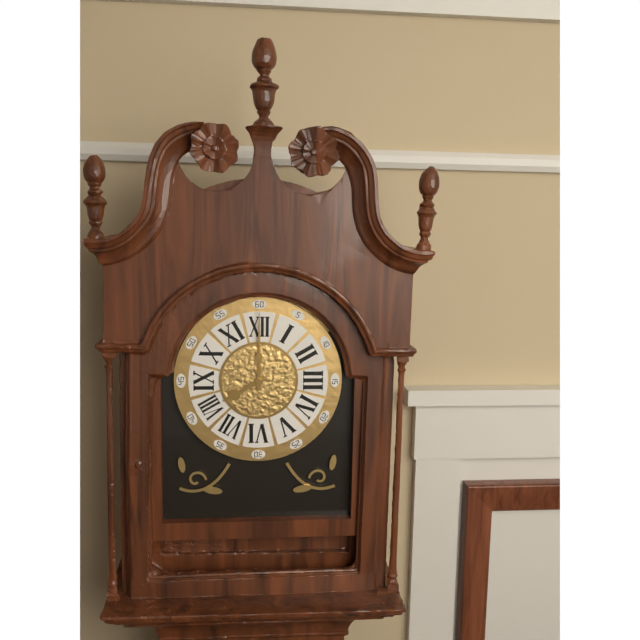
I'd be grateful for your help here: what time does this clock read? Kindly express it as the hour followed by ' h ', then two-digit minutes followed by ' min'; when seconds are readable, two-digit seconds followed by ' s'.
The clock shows 8 h 00 min
